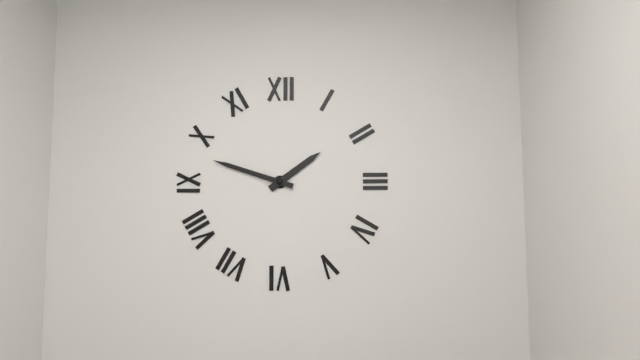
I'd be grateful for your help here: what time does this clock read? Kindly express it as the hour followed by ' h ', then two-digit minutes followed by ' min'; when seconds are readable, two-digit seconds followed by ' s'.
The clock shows 1 h 48 min
